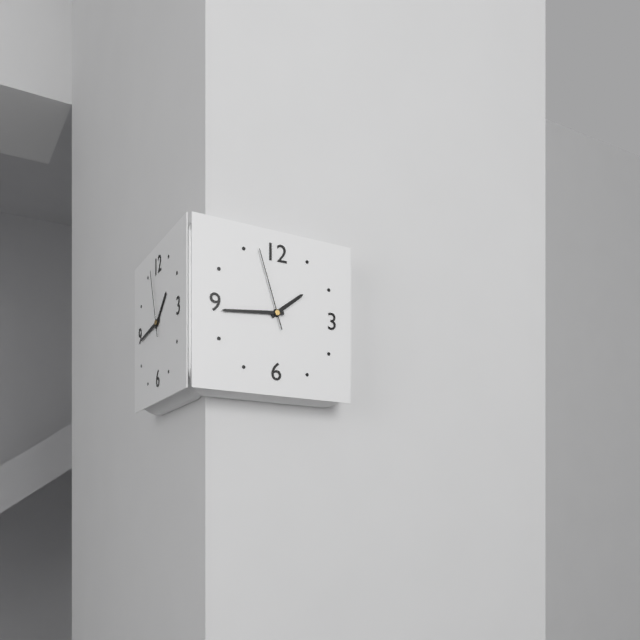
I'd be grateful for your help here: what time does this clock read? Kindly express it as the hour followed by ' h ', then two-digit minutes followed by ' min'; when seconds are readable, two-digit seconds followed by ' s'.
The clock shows 1 h 44 min 57 s
